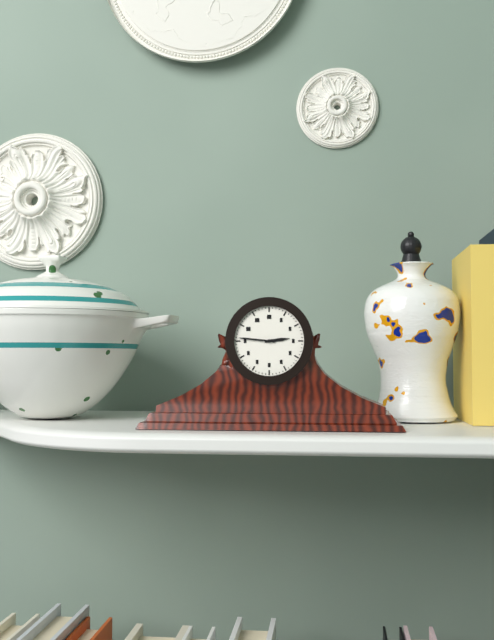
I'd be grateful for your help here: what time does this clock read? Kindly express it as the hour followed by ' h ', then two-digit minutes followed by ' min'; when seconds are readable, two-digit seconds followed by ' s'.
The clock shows 2 h 46 min
